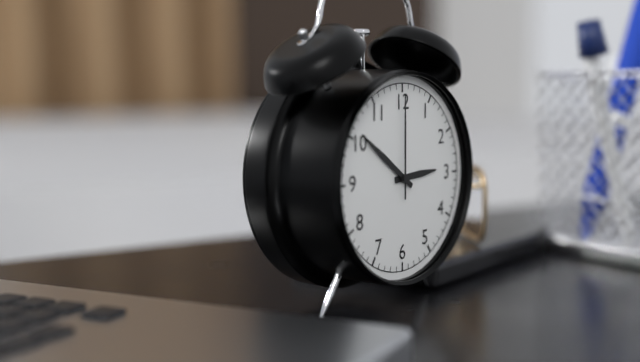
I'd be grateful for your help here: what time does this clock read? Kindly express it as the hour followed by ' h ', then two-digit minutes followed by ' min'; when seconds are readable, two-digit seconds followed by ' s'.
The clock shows 2 h 51 min 00 s
